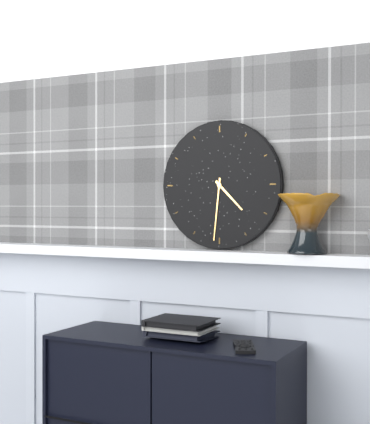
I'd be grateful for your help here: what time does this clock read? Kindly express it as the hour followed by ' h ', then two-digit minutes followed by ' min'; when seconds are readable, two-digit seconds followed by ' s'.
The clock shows 4 h 31 min
